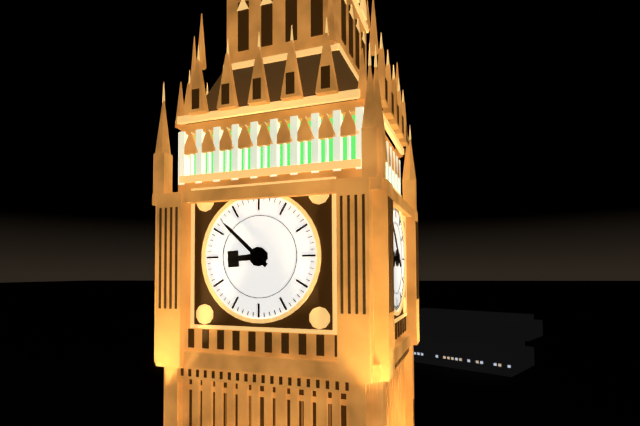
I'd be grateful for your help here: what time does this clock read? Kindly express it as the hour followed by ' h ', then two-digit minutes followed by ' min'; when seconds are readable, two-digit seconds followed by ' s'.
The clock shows 8 h 52 min
